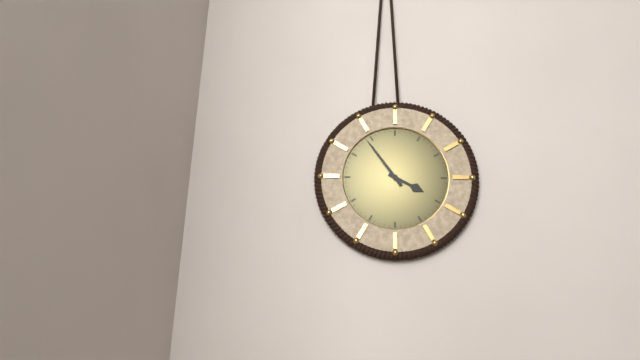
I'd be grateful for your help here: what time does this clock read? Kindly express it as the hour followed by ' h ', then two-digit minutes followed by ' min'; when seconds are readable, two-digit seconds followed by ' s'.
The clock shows 3 h 54 min
